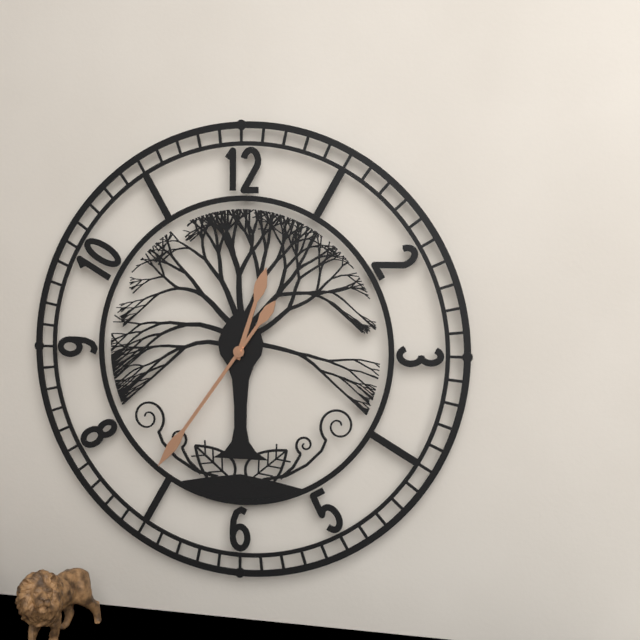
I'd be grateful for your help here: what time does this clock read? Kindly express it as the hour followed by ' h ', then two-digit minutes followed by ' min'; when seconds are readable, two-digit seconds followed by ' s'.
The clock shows 12 h 36 min
